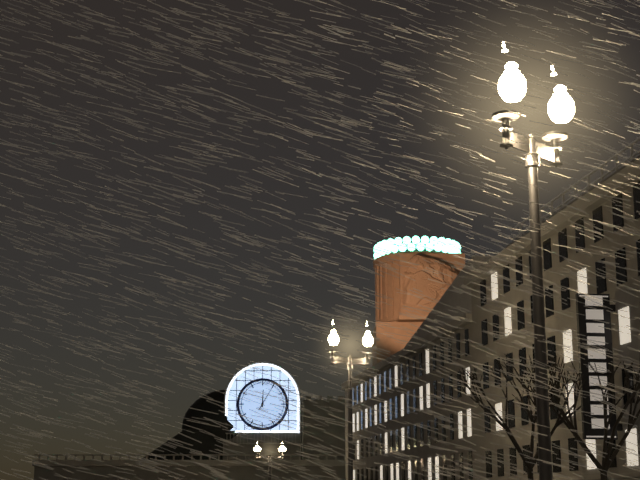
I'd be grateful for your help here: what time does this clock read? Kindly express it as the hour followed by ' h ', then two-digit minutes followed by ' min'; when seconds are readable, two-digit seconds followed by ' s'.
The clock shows 12 h 05 min
